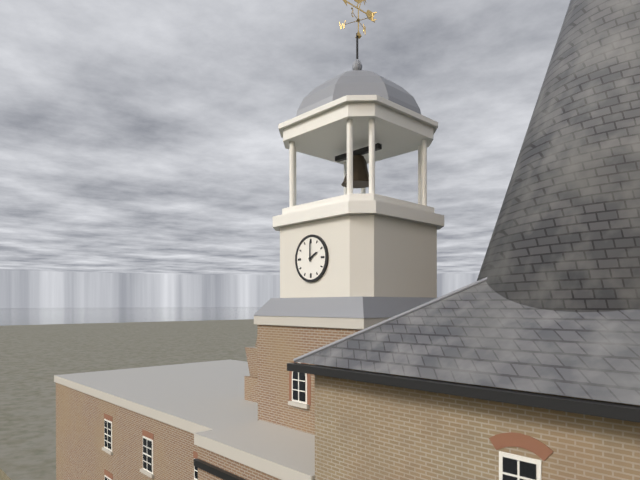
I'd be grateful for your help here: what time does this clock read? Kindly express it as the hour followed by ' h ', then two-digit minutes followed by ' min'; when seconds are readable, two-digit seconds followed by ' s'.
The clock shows 2 h 00 min
